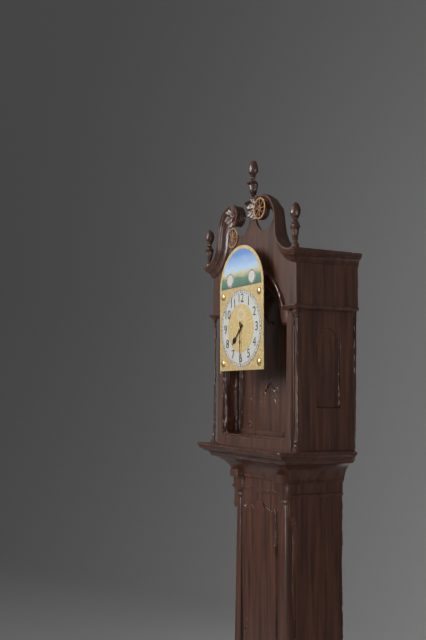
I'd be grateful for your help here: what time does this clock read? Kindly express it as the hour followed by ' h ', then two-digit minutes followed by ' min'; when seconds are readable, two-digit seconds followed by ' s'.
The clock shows 7 h 30 min
